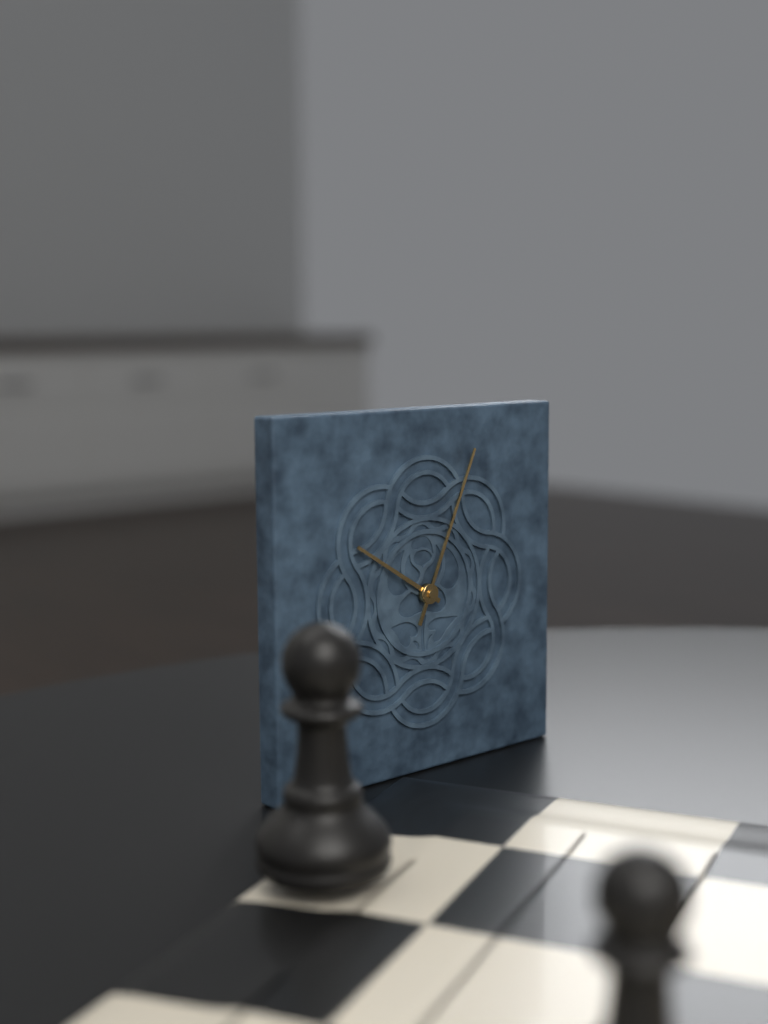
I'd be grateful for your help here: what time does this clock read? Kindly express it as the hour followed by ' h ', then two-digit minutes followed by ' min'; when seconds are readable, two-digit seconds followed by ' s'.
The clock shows 10 h 04 min
